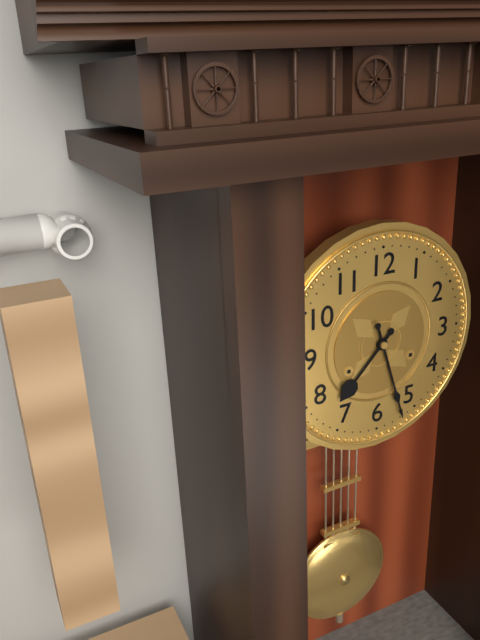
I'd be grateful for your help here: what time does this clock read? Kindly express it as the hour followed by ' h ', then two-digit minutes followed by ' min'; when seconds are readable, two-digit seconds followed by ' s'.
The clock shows 7 h 27 min
